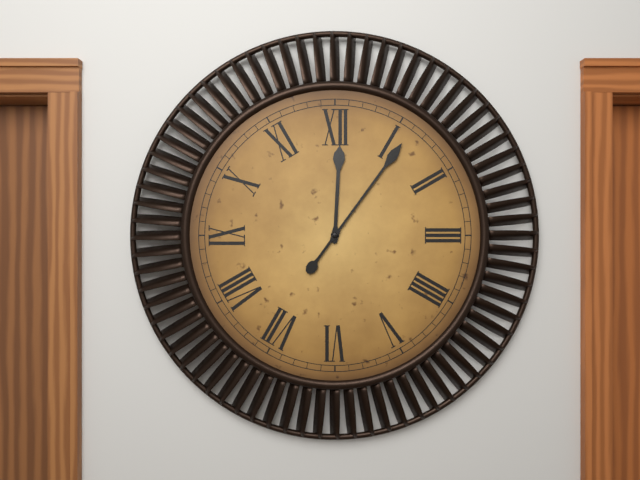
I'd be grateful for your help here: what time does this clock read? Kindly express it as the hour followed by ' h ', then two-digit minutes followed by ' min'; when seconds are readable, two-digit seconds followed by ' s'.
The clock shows 12 h 06 min
